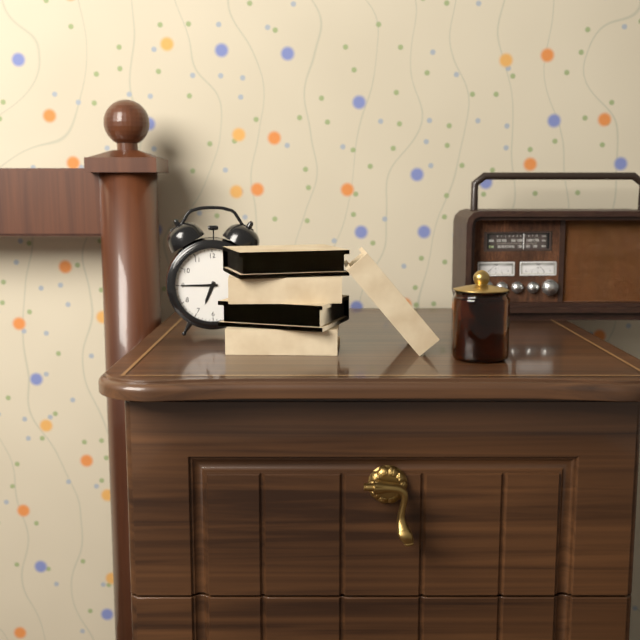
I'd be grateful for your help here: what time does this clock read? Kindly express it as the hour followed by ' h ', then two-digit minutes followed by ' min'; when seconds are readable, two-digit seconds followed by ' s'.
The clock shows 6 h 45 min
